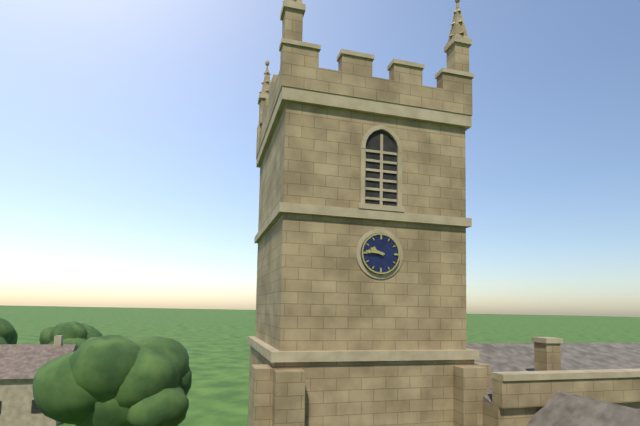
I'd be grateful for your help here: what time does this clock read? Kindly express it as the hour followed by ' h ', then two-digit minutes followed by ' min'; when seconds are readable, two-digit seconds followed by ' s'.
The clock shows 9 h 46 min
